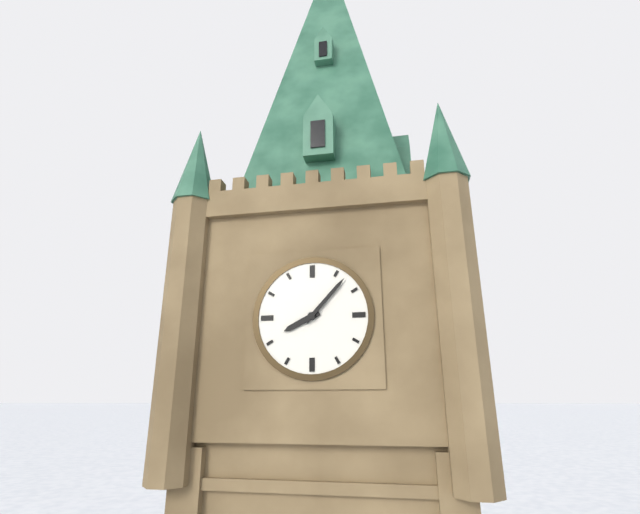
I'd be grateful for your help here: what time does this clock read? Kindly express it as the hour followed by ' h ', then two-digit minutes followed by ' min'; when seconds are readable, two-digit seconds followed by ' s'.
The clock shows 8 h 07 min
